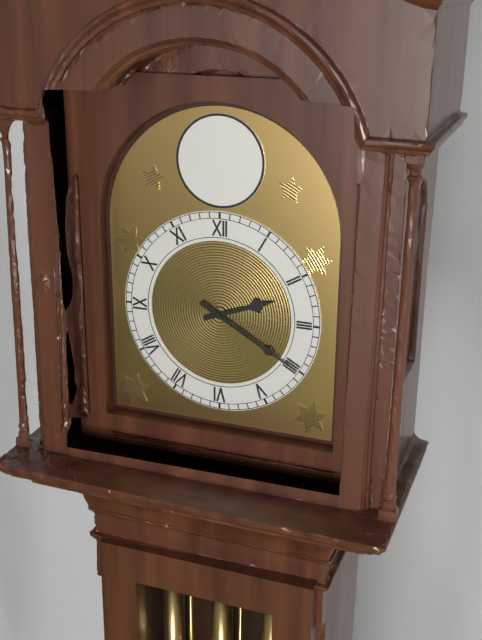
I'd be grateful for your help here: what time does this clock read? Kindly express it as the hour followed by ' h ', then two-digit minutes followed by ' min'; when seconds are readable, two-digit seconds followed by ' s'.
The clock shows 2 h 20 min
